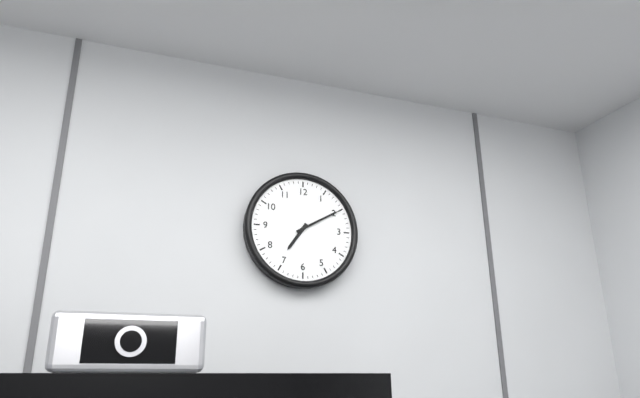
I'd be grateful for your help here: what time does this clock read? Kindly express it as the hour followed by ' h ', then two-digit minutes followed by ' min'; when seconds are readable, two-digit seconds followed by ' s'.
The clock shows 7 h 10 min
